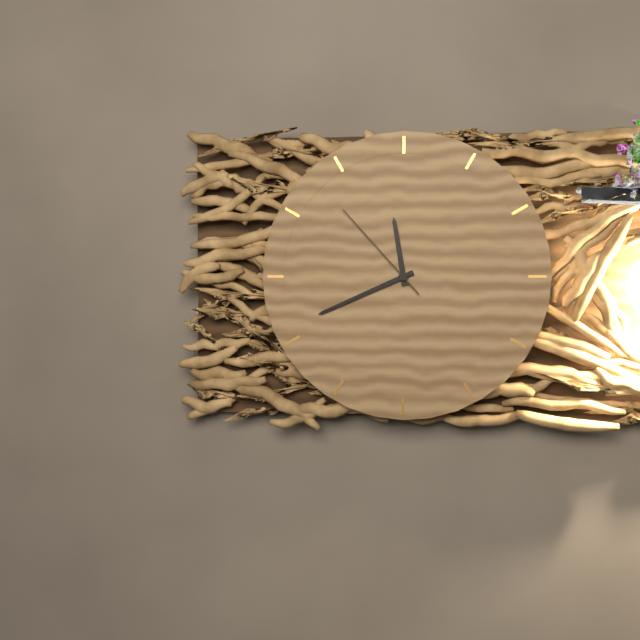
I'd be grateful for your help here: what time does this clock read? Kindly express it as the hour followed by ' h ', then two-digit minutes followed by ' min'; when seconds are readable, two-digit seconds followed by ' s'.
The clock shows 11 h 41 min 53 s
